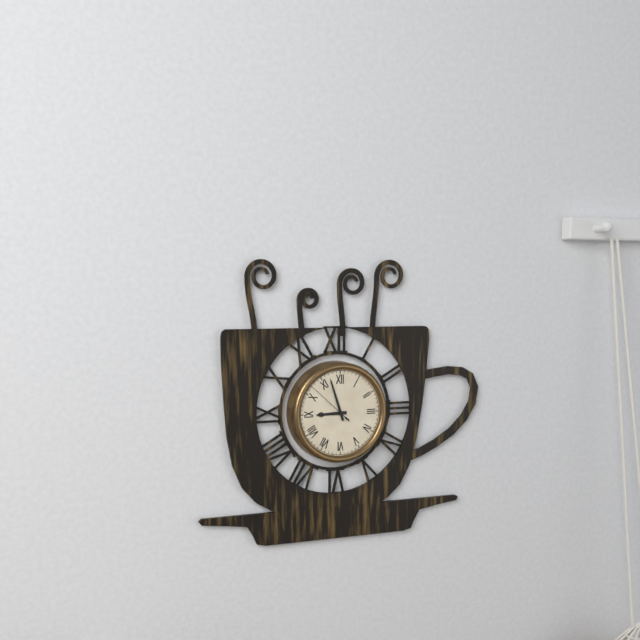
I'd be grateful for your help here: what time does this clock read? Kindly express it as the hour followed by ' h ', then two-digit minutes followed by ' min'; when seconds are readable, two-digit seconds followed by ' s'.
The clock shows 8 h 57 min
